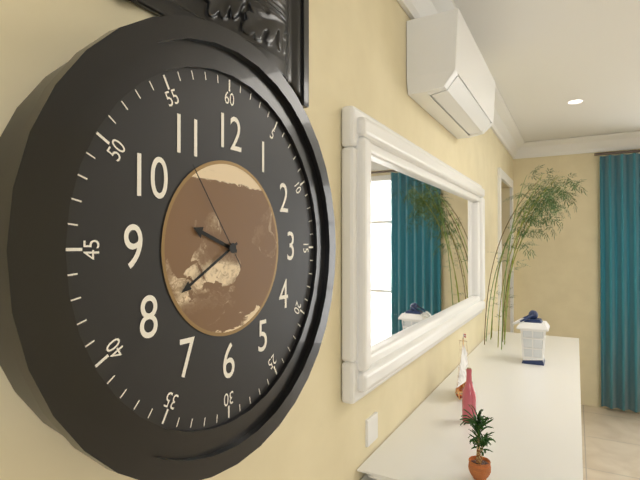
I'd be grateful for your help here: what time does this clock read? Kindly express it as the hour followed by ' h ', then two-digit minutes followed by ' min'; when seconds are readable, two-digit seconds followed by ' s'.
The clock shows 9 h 40 min 54 s
